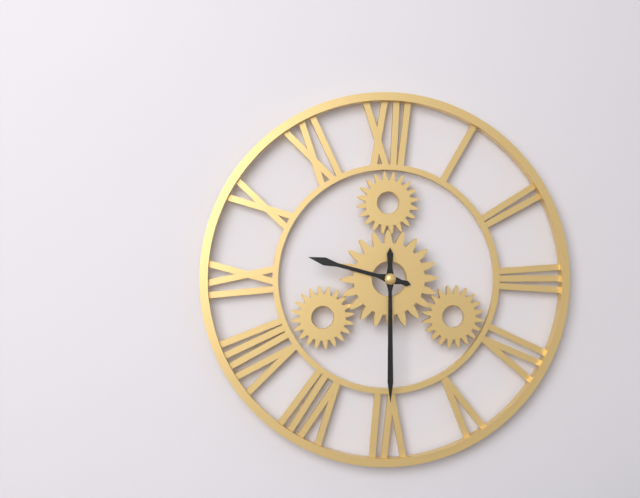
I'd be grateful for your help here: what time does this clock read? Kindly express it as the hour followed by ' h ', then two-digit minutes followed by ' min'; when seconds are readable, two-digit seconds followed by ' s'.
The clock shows 9 h 30 min
